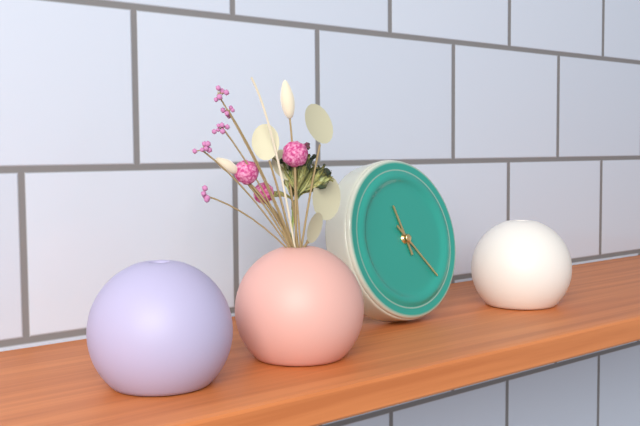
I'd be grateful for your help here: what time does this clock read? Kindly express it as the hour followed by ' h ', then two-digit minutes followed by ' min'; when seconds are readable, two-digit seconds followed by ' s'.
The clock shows 11 h 23 min
